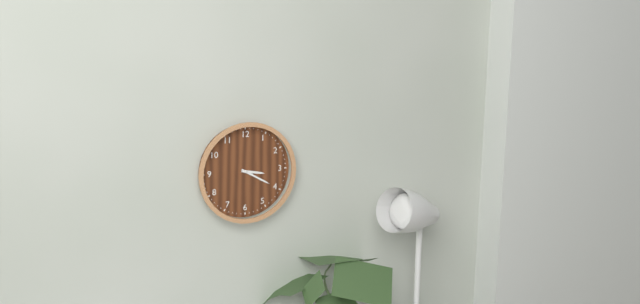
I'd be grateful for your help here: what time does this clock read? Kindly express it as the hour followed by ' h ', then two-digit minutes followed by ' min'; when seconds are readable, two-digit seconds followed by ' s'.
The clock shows 3 h 20 min
